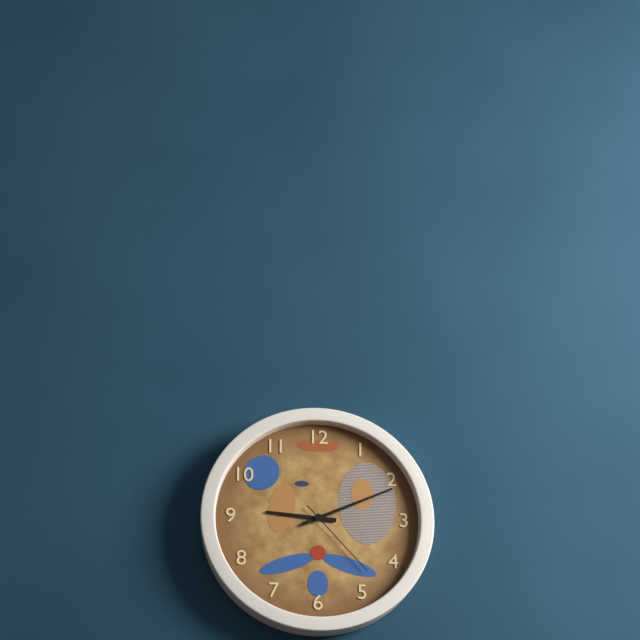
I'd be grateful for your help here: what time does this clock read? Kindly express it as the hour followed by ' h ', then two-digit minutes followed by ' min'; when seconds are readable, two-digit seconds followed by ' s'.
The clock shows 9 h 11 min 23 s
